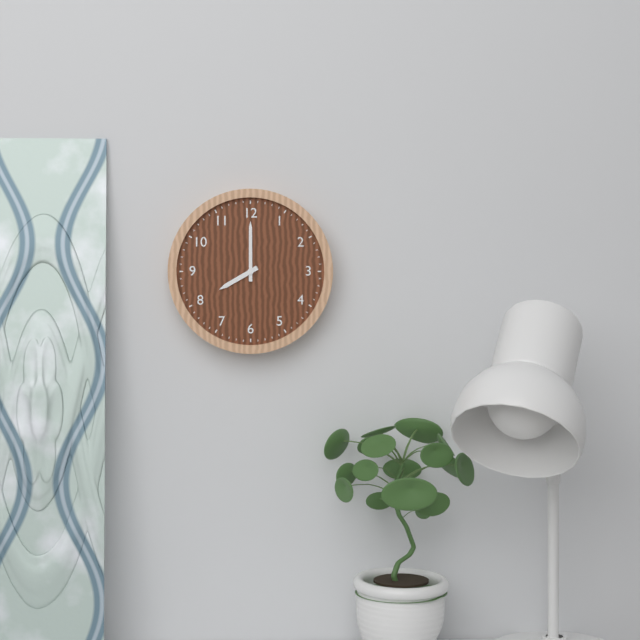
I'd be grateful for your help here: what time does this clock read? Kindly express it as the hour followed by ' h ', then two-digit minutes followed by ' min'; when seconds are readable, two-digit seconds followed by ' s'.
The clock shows 8 h 00 min
